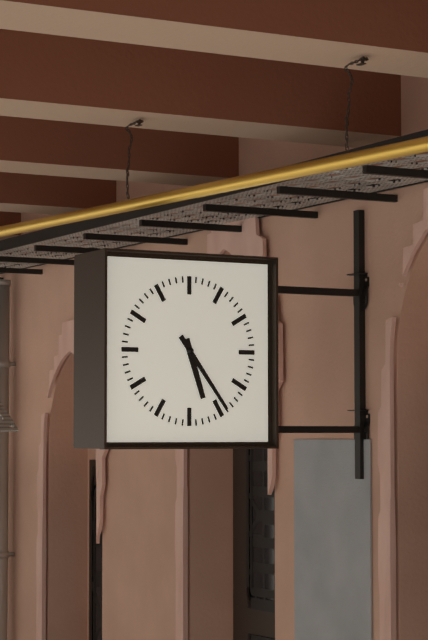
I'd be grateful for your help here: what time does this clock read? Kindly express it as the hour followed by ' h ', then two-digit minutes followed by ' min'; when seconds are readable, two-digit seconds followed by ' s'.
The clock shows 5 h 24 min
